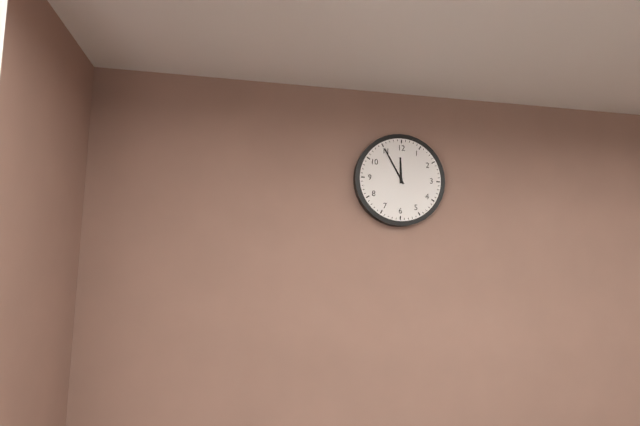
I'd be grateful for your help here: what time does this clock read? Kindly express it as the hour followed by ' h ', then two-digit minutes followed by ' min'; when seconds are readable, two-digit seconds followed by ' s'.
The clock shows 11 h 55 min
